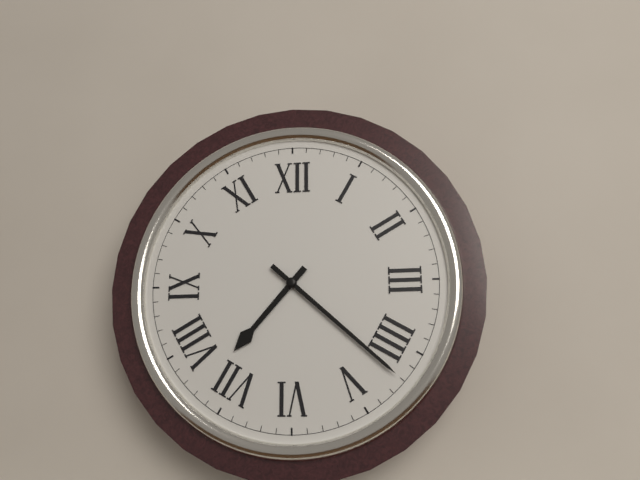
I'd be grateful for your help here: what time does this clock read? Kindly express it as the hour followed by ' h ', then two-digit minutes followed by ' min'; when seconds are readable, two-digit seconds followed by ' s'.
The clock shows 7 h 22 min
